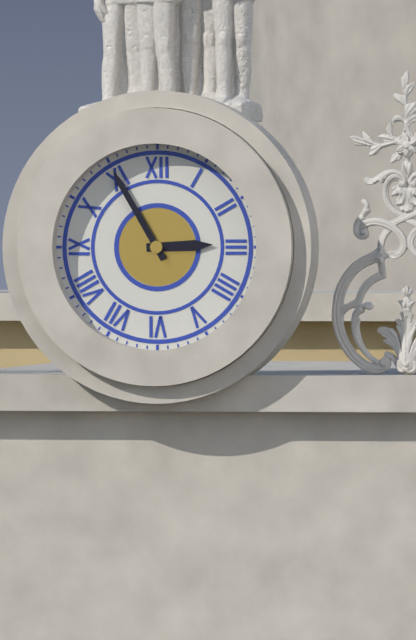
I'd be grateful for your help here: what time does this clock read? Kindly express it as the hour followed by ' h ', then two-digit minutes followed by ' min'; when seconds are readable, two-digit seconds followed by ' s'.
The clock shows 2 h 55 min
